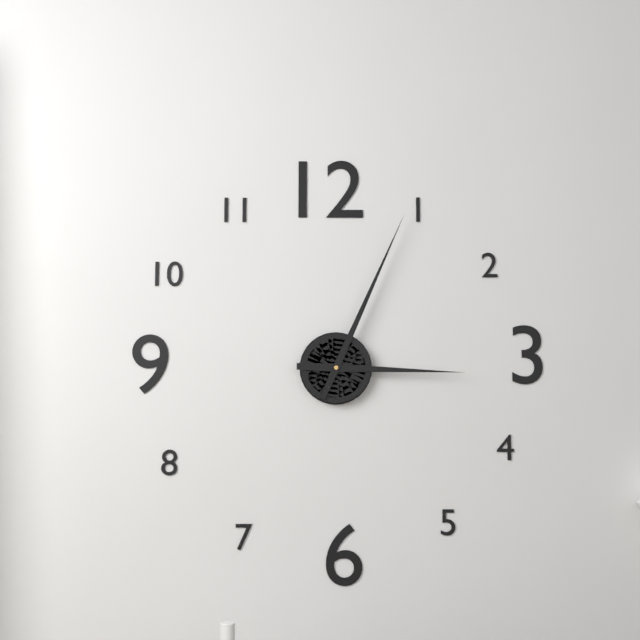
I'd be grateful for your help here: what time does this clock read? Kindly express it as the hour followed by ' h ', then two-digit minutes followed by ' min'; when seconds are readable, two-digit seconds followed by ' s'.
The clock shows 3 h 04 min
